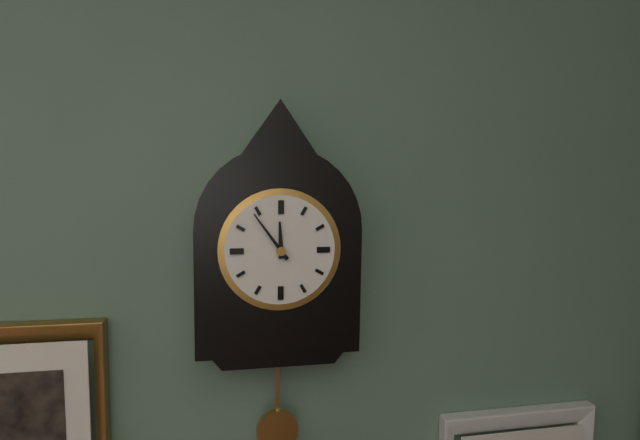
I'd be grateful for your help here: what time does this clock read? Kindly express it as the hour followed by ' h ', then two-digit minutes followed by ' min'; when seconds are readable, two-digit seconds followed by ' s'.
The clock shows 11 h 54 min
